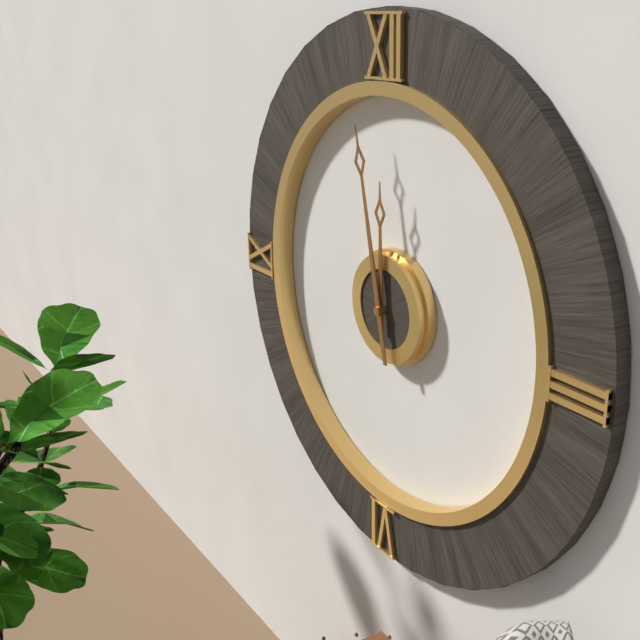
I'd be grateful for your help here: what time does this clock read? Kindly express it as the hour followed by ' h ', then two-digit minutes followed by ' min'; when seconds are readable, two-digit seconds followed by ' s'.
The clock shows 11 h 58 min
